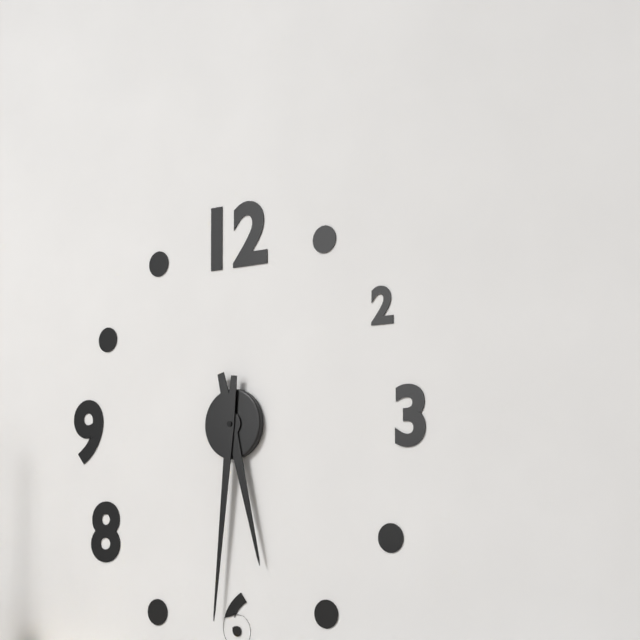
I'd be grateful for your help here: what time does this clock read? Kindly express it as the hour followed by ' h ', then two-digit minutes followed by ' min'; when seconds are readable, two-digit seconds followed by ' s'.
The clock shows 5 h 31 min
